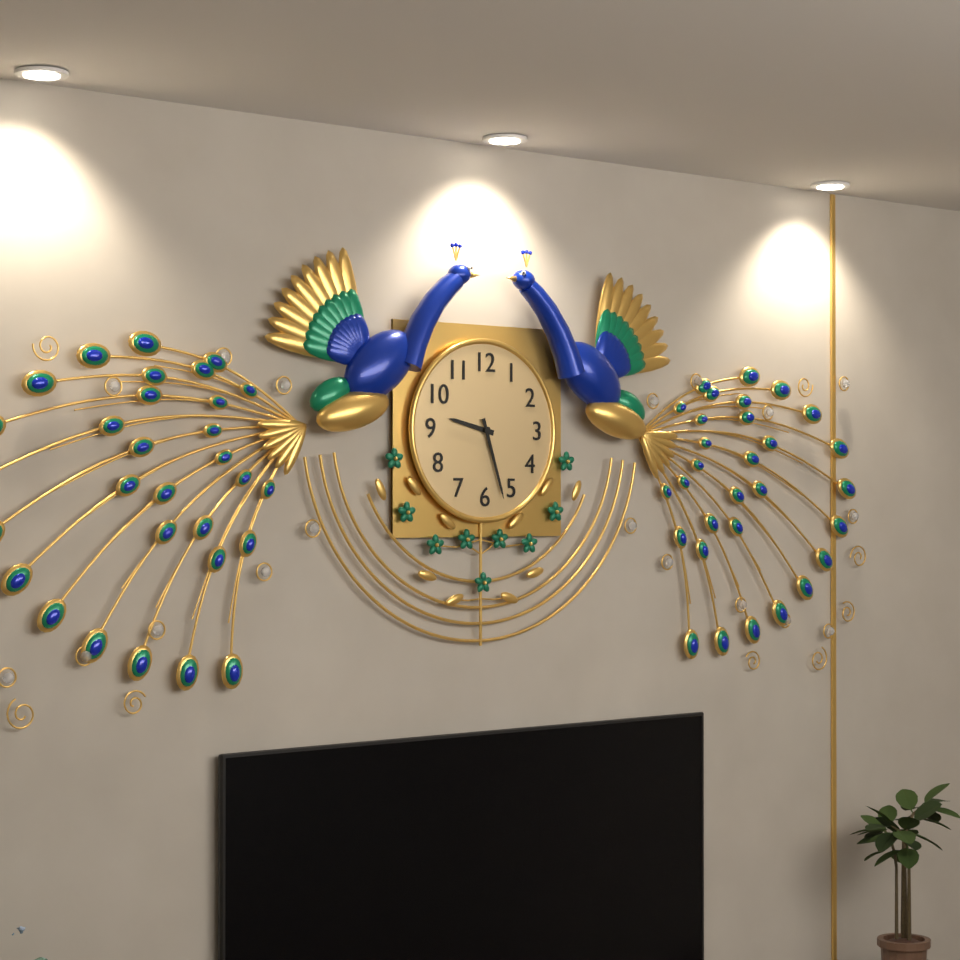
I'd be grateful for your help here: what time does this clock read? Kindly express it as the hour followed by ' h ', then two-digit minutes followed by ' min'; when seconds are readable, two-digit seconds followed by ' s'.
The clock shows 9 h 27 min
